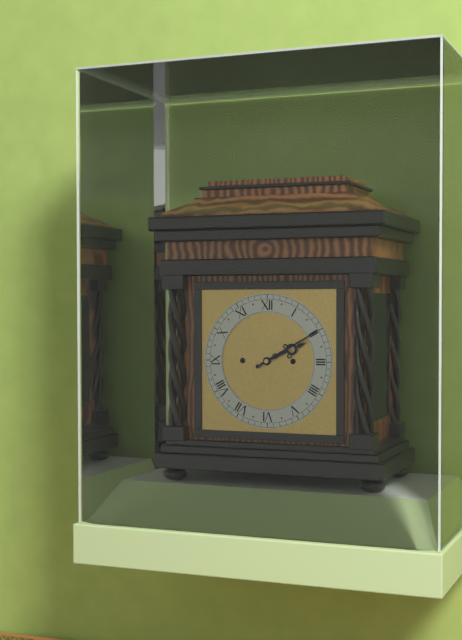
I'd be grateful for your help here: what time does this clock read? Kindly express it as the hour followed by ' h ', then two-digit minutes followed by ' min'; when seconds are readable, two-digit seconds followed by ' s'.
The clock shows 2 h 10 min
